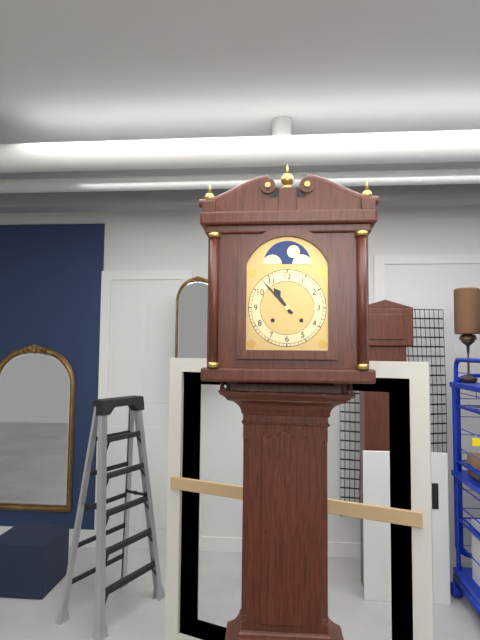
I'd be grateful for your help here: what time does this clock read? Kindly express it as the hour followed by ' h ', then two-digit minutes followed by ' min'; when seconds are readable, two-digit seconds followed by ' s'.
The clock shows 10 h 53 min
